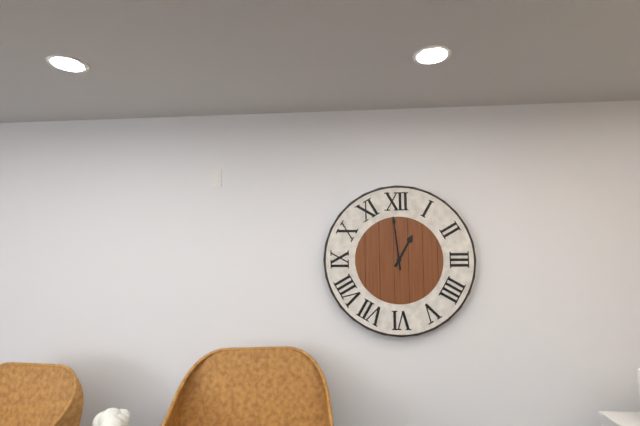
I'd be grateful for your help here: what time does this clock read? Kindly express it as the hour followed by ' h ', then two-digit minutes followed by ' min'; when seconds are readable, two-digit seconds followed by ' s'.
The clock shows 12 h 59 min
